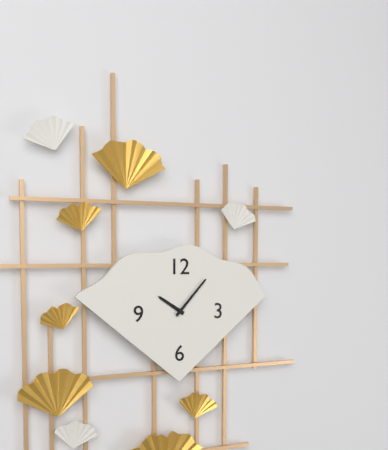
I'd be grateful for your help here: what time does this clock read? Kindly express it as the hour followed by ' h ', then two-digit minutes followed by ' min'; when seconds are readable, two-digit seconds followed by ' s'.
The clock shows 10 h 07 min
